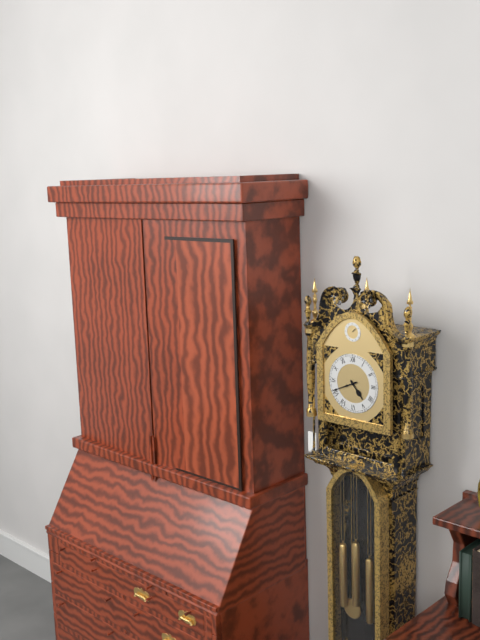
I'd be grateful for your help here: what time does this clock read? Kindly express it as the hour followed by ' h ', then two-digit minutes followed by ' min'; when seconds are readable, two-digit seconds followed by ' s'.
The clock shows 4 h 41 min
